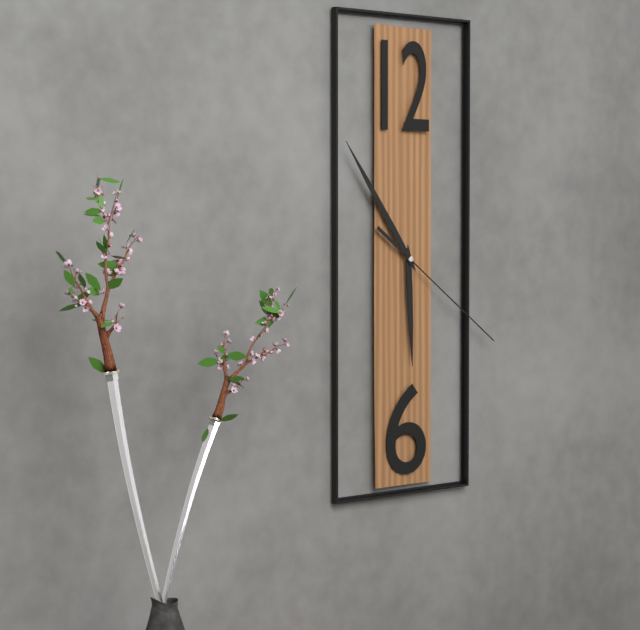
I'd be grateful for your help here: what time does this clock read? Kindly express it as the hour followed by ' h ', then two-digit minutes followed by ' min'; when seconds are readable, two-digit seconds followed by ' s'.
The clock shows 5 h 54 min 21 s
